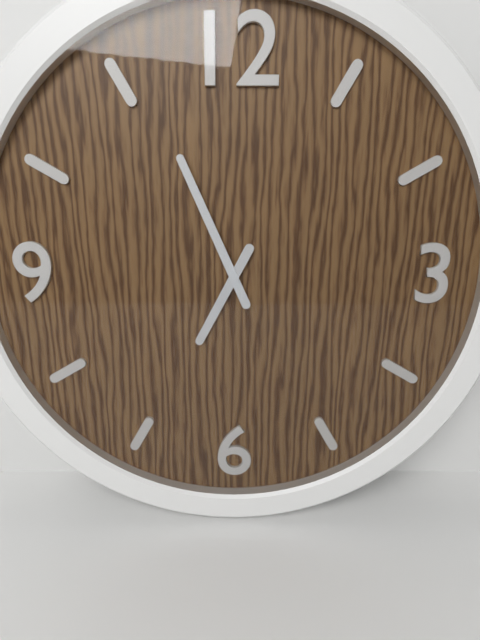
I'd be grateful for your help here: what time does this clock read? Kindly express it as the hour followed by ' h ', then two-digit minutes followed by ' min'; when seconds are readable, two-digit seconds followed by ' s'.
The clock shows 6 h 56 min
